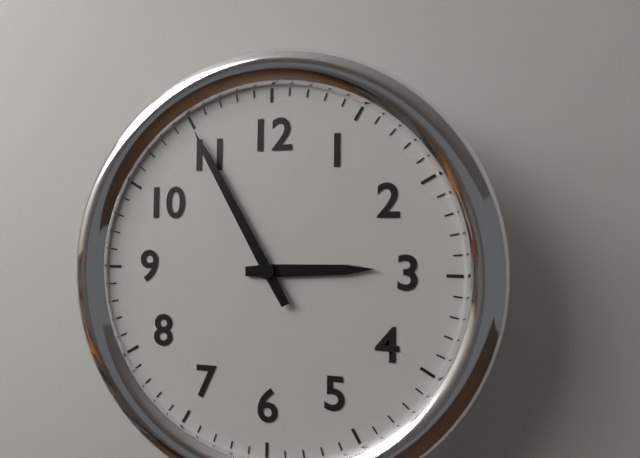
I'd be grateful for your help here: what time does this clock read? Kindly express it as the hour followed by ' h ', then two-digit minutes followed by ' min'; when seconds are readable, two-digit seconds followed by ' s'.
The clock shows 2 h 55 min
